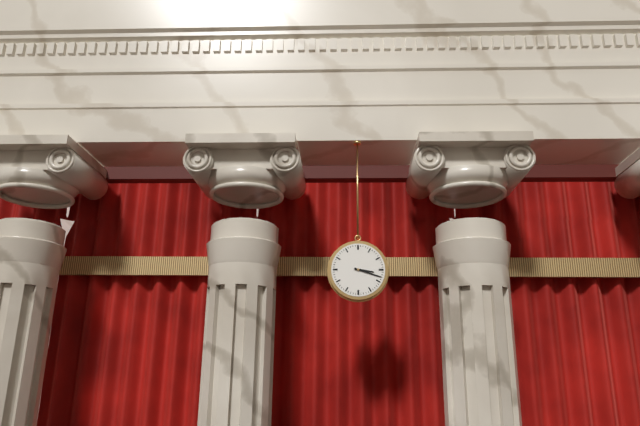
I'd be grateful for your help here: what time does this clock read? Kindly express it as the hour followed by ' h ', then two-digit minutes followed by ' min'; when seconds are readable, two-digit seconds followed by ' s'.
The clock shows 3 h 18 min
